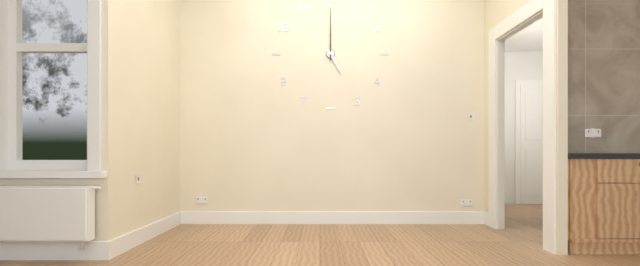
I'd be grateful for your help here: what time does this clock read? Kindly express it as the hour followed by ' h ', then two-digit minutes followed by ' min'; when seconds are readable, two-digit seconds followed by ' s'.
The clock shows 5 h 00 min
